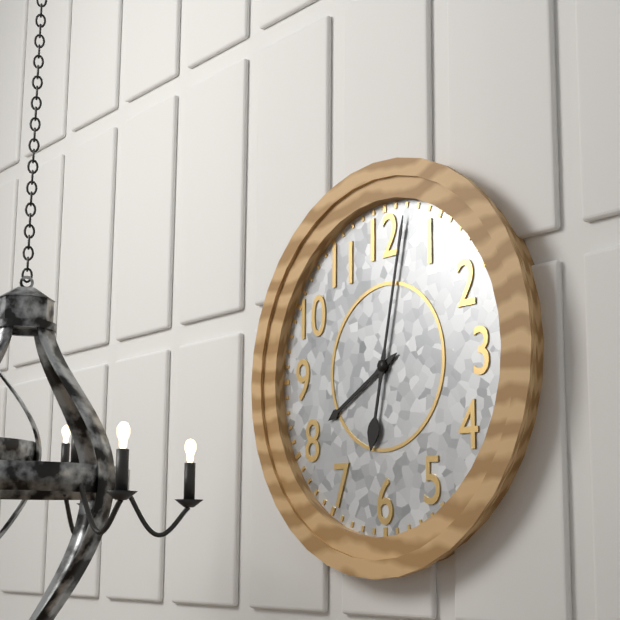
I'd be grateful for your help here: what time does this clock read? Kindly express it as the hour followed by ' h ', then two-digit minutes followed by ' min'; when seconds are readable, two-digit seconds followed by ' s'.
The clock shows 8 h 02 min
